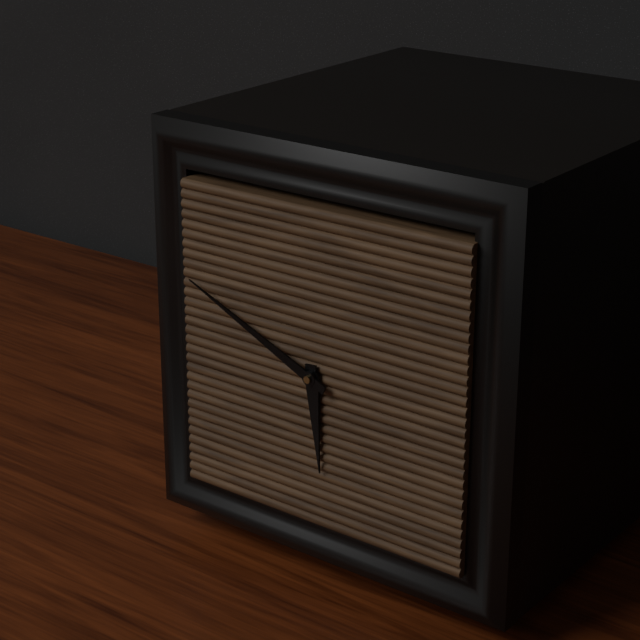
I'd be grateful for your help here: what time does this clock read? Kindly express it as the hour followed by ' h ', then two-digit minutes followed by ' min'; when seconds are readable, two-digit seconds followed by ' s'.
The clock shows 5 h 49 min
